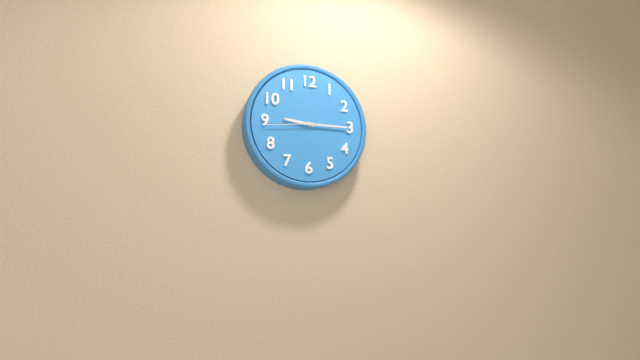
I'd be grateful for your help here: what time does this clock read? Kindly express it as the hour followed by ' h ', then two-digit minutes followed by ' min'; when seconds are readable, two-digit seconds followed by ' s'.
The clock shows 9 h 15 min 44 s
